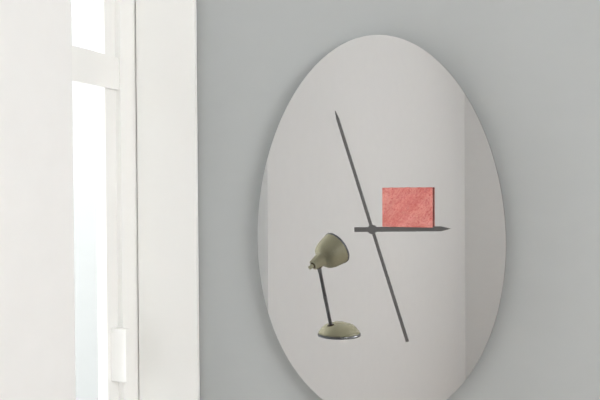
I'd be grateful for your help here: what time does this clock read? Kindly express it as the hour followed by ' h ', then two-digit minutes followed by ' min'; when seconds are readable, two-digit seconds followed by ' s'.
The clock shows 2 h 57 min
